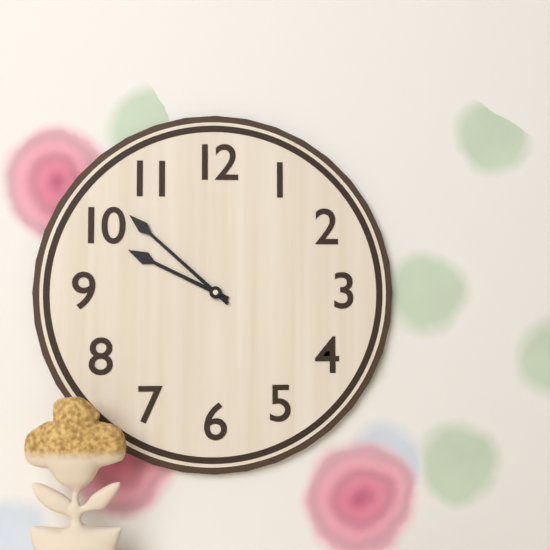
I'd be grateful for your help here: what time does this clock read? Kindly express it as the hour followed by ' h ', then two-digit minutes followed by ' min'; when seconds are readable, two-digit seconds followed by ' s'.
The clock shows 9 h 52 min
